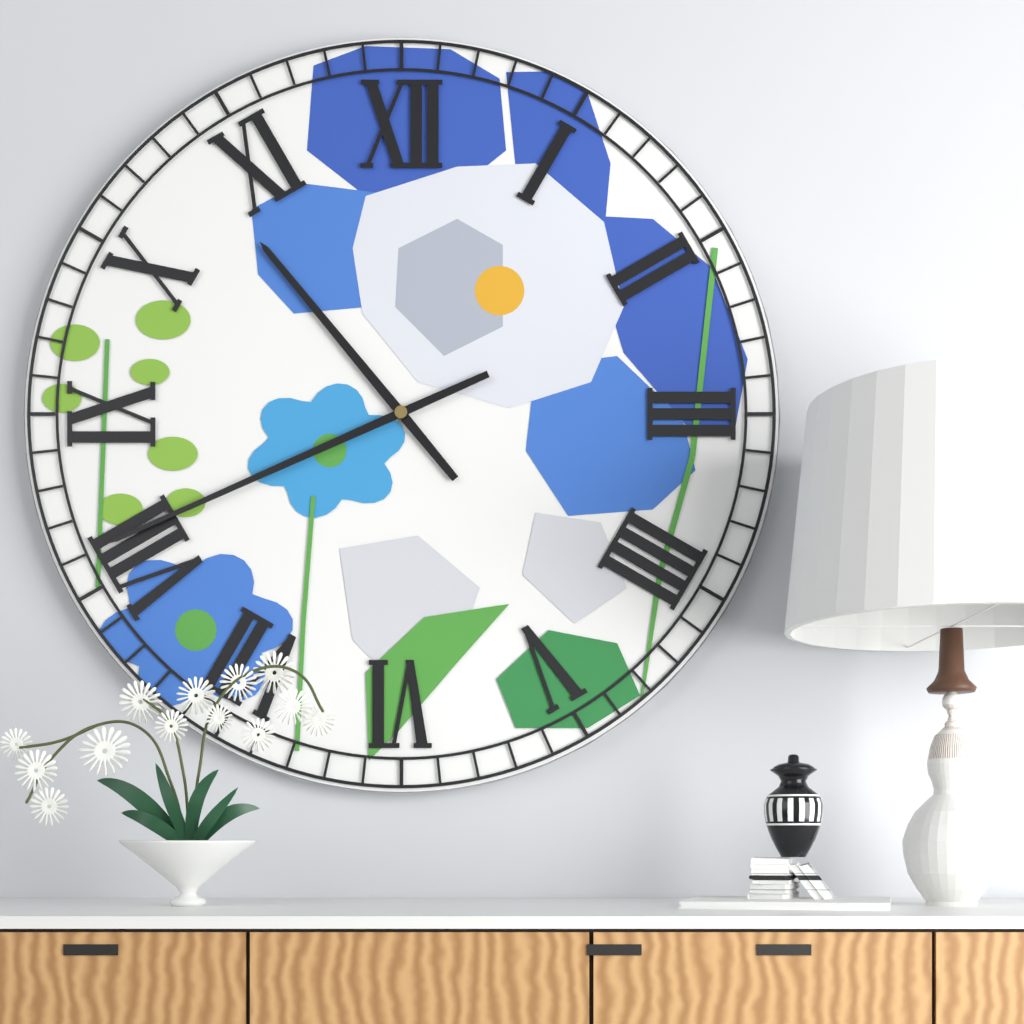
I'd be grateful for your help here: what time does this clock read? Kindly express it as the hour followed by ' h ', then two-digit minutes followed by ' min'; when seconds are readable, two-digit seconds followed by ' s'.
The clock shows 10 h 41 min
